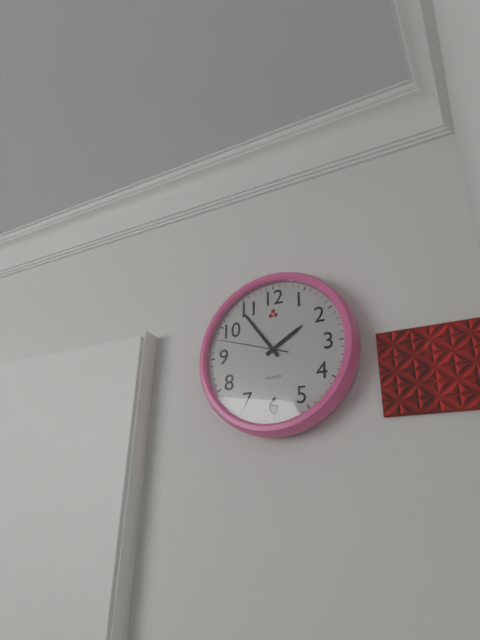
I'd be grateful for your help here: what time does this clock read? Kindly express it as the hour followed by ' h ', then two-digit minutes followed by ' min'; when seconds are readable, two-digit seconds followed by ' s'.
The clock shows 1 h 54 min 48 s
